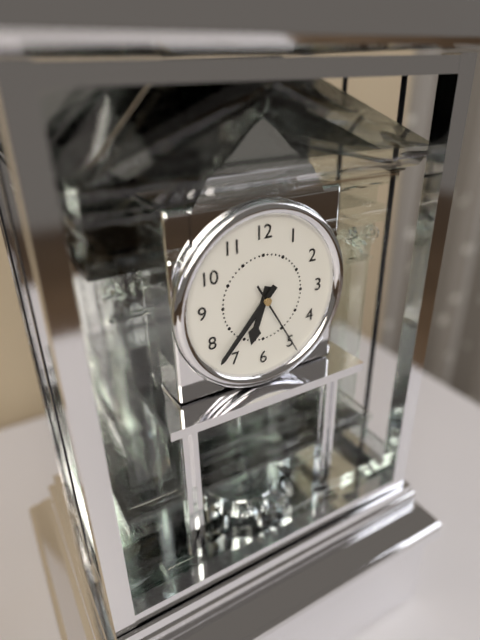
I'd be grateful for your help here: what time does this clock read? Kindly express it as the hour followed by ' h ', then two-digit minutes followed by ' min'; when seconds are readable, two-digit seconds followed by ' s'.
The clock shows 6 h 37 min 25 s
